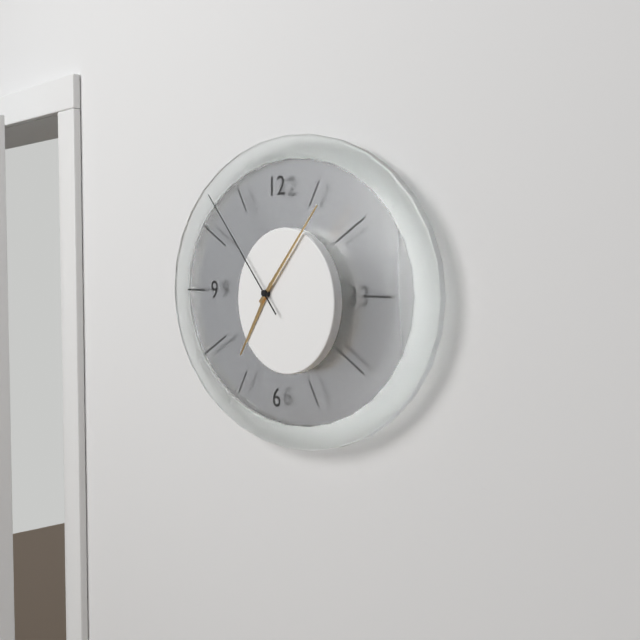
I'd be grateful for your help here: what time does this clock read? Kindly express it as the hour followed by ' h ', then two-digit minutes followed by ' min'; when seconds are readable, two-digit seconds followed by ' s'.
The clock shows 7 h 07 min 53 s
